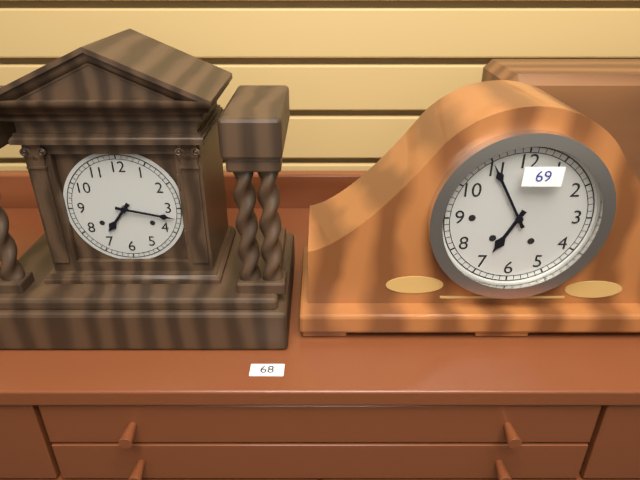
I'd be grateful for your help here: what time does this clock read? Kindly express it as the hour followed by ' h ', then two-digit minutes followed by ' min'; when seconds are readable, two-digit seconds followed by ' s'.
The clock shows 7 h 17 min
